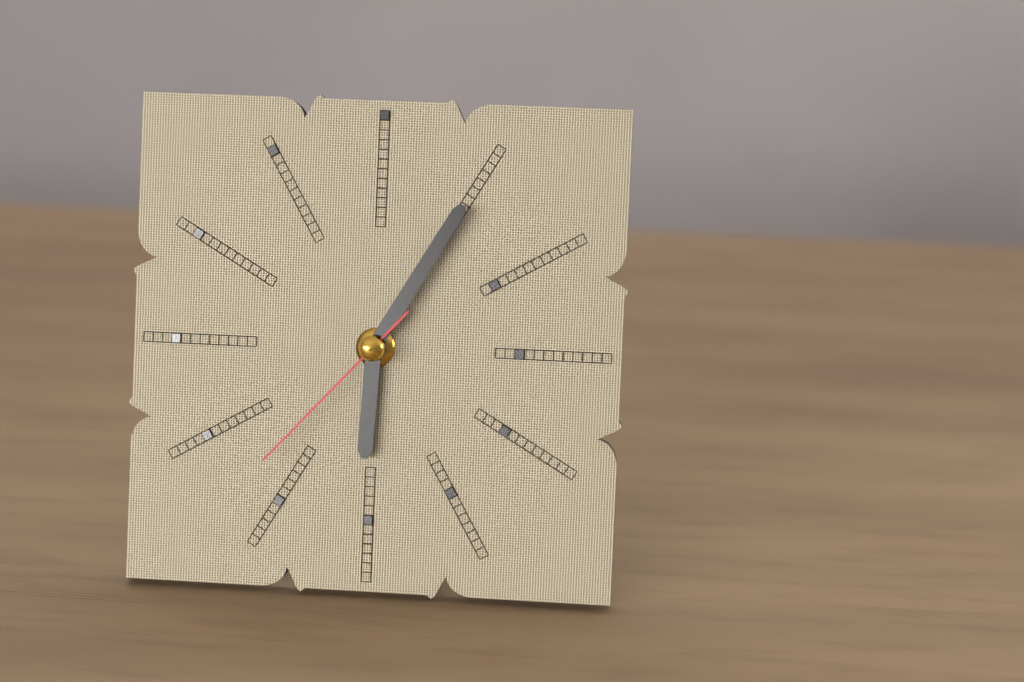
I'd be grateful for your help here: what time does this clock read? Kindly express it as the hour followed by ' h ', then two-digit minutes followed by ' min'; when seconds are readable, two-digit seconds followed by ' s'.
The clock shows 6 h 05 min 37 s
